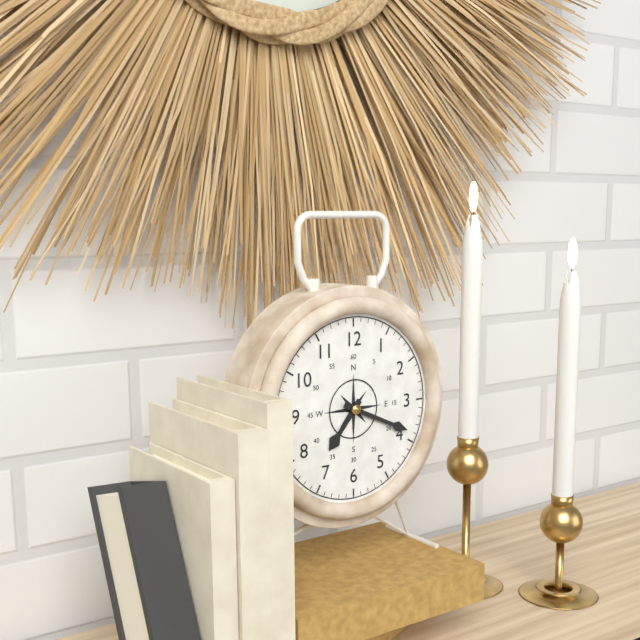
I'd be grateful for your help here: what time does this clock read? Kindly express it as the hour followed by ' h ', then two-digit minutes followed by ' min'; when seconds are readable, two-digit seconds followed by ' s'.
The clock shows 7 h 19 min
